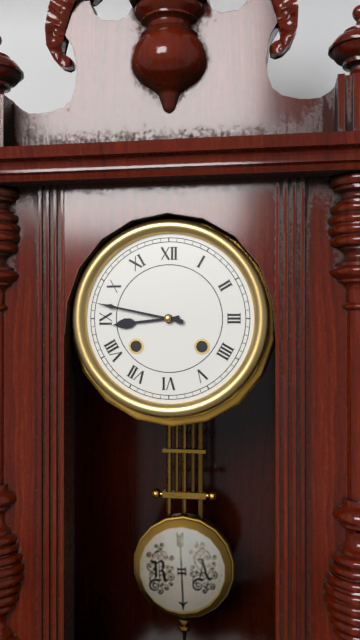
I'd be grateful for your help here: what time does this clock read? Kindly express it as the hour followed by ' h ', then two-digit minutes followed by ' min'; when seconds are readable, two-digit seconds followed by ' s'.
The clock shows 8 h 47 min
